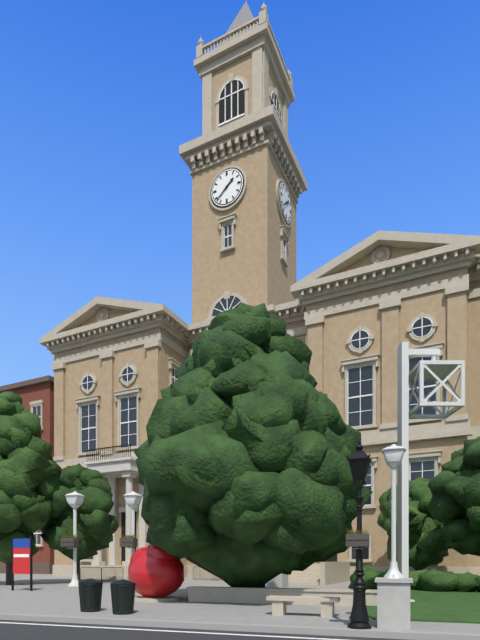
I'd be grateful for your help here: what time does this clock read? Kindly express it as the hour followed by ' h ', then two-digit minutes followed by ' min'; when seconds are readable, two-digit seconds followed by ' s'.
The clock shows 1 h 38 min
